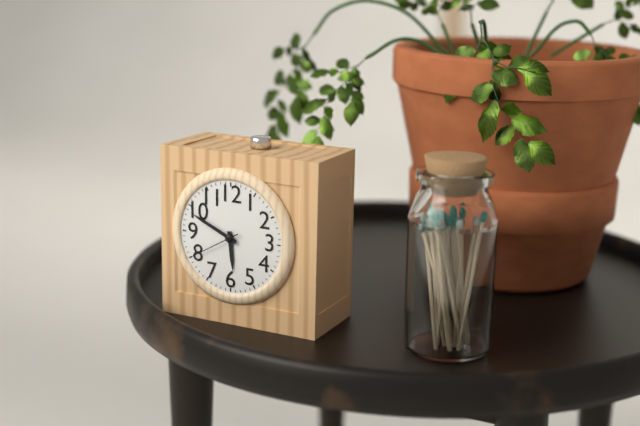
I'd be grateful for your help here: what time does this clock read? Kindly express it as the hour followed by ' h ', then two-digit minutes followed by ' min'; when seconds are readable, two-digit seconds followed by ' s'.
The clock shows 5 h 49 min 40 s
